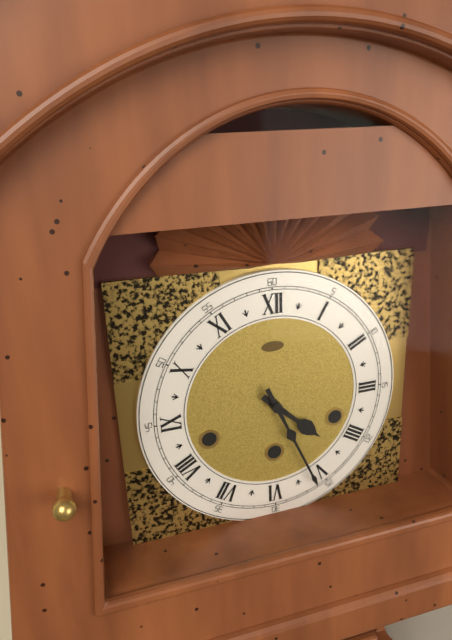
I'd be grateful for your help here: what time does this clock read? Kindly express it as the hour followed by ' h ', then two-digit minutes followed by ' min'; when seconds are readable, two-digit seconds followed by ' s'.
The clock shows 4 h 26 min
